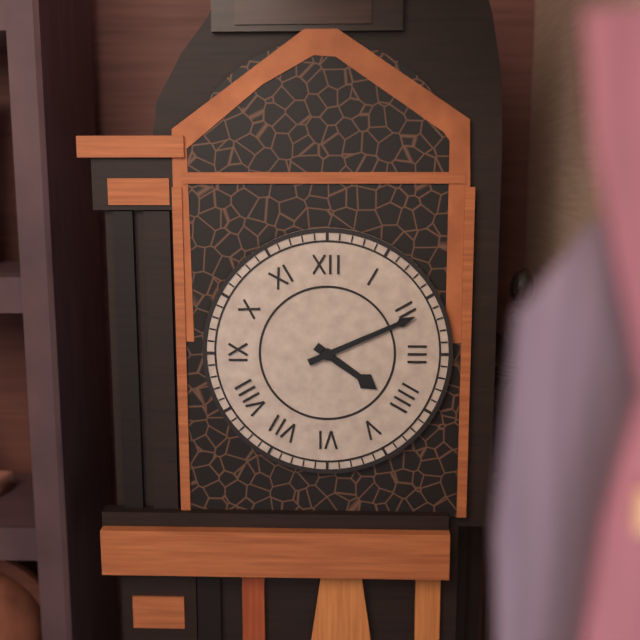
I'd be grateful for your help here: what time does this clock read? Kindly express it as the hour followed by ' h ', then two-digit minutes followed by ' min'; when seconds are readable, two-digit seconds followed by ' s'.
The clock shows 4 h 11 min
